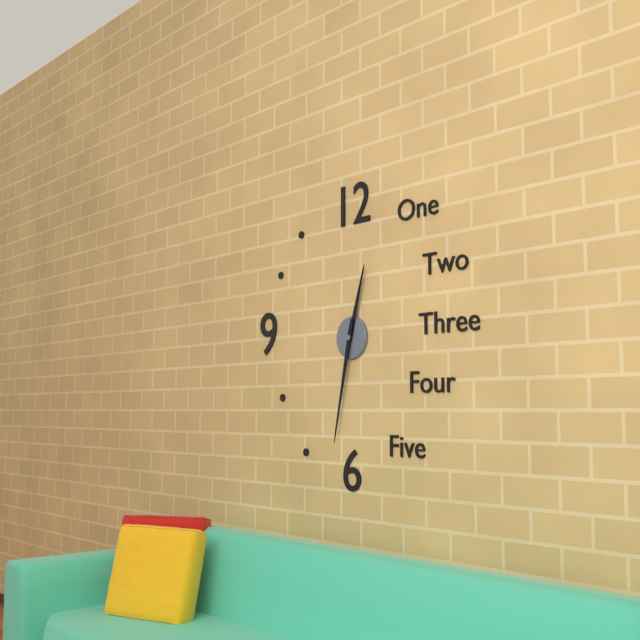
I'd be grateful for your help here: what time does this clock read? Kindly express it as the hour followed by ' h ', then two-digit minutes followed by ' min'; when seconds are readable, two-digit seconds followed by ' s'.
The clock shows 12 h 32 min
